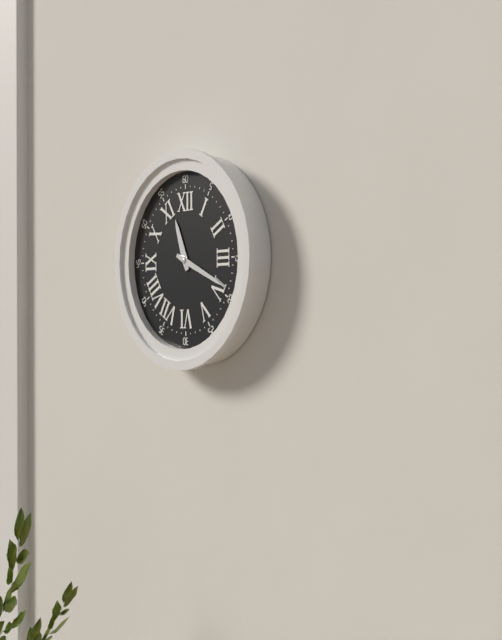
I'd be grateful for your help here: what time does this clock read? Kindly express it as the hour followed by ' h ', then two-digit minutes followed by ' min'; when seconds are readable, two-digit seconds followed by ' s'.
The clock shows 11 h 19 min
